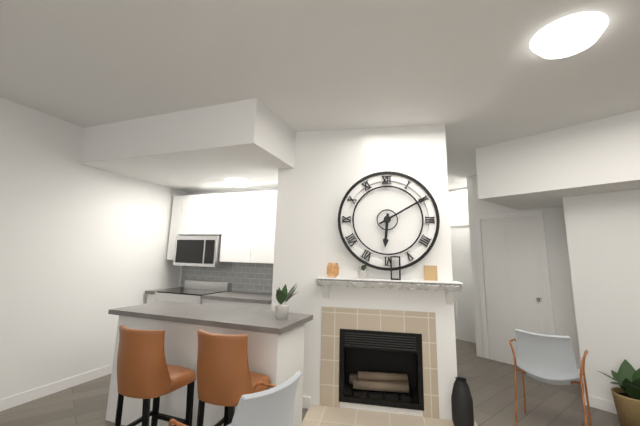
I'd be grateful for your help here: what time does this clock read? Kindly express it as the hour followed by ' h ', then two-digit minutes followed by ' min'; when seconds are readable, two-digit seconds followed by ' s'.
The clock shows 6 h 10 min
